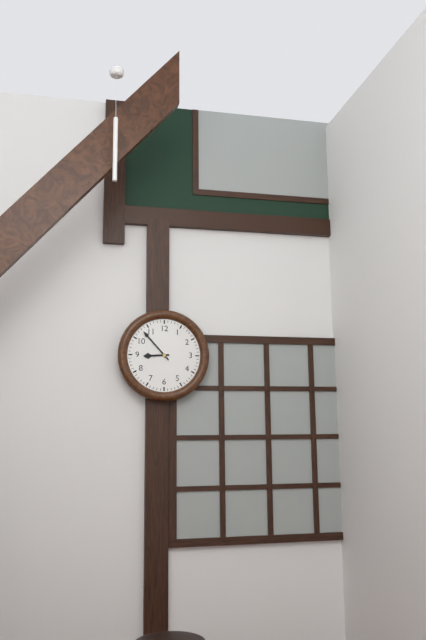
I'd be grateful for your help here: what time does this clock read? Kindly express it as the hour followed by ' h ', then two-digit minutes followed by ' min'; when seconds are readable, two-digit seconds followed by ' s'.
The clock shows 8 h 53 min
